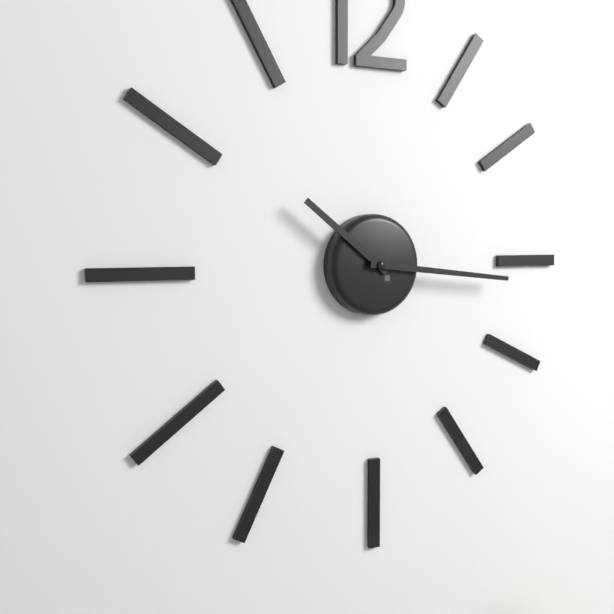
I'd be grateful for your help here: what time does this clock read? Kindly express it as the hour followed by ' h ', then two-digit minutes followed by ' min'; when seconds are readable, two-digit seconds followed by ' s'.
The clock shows 10 h 16 min
